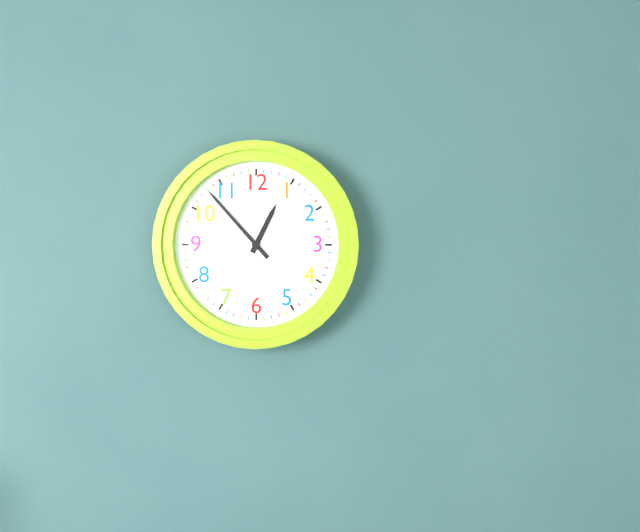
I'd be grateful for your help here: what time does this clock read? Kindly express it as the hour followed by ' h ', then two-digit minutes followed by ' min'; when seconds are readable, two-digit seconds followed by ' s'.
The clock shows 12 h 53 min
